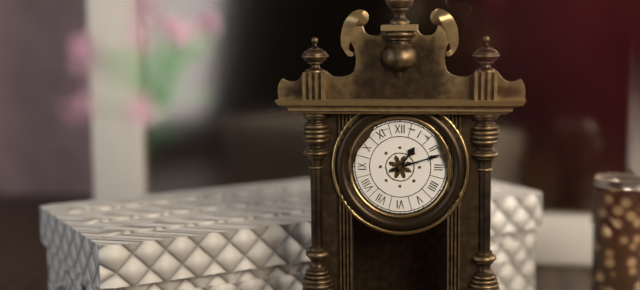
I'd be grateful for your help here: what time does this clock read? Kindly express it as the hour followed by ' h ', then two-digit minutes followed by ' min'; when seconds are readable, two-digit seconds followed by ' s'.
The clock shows 1 h 12 min
